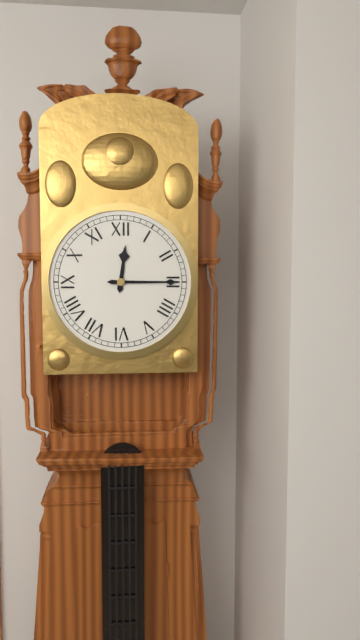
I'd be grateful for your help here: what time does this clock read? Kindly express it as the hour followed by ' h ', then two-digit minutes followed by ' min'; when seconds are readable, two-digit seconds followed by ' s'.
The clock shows 12 h 15 min
